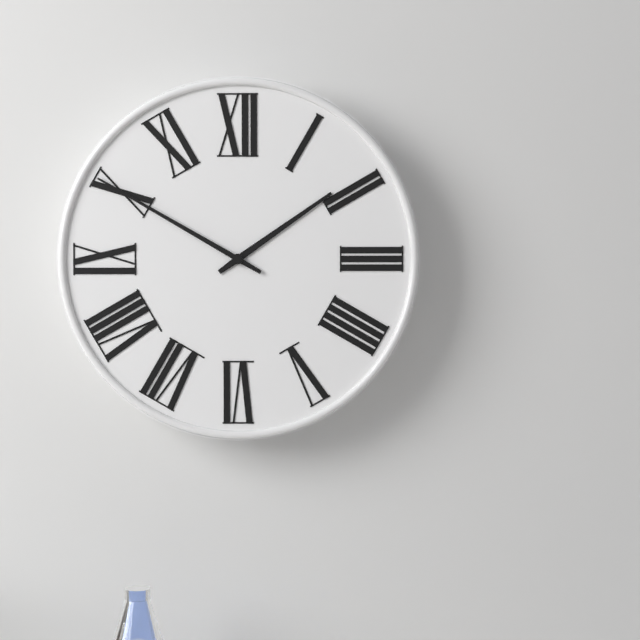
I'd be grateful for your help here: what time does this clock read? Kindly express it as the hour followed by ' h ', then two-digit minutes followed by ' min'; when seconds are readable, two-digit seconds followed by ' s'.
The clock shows 1 h 50 min
